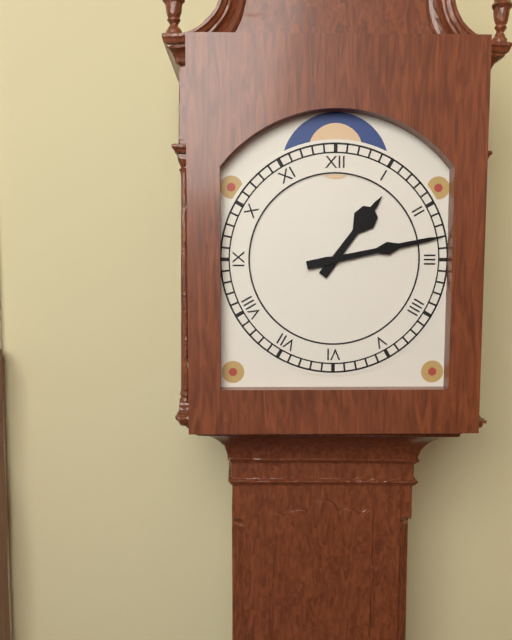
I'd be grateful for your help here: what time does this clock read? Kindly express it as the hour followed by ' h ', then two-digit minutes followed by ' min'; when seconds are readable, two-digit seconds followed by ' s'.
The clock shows 1 h 13 min
